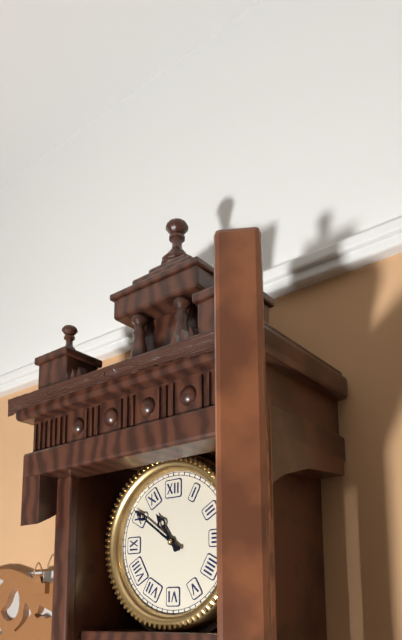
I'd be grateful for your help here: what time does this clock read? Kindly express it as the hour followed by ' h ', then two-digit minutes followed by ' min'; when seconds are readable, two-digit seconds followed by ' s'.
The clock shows 10 h 51 min
